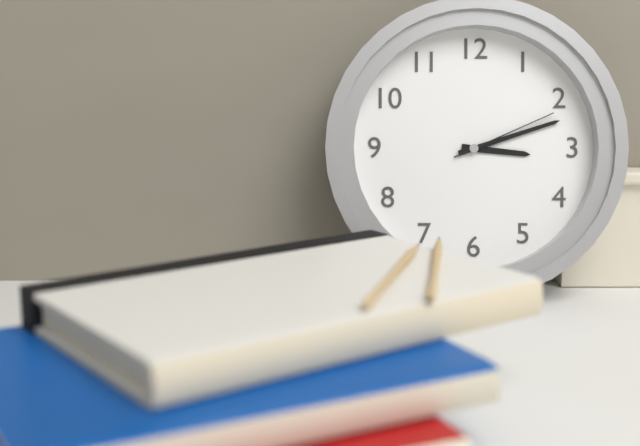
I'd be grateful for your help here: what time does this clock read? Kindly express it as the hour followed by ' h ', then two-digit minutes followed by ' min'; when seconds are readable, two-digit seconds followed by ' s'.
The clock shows 3 h 12 min 11 s
